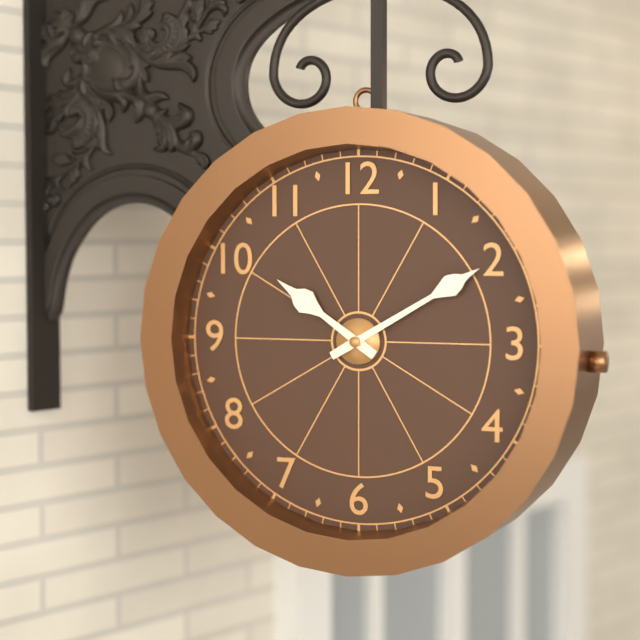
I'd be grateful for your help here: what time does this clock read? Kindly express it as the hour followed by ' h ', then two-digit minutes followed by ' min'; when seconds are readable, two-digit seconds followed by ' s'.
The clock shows 10 h 10 min
